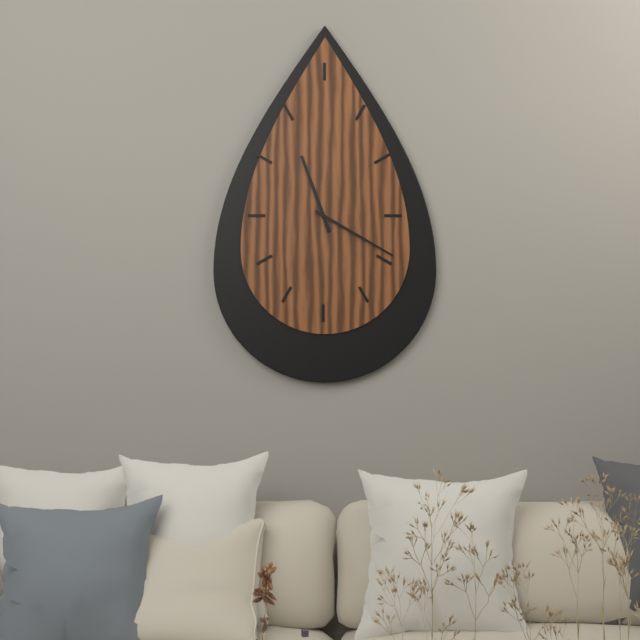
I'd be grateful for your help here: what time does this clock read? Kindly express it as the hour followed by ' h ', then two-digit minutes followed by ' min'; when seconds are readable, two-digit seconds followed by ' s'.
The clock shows 11 h 20 min
